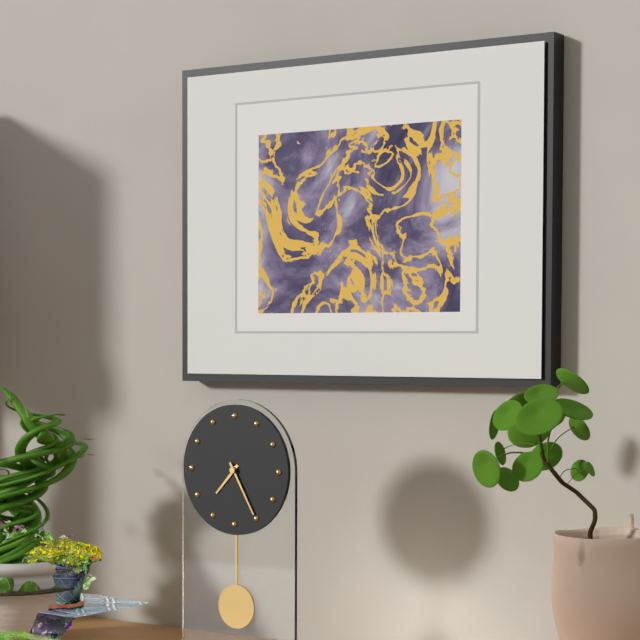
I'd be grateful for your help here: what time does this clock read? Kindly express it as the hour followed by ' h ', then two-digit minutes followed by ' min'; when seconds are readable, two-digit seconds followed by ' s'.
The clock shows 7 h 25 min
